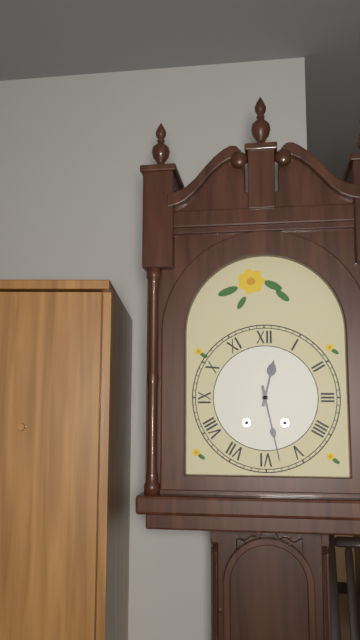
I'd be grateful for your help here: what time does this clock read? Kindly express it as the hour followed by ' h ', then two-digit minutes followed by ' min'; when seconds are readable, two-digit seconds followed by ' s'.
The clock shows 12 h 28 min
